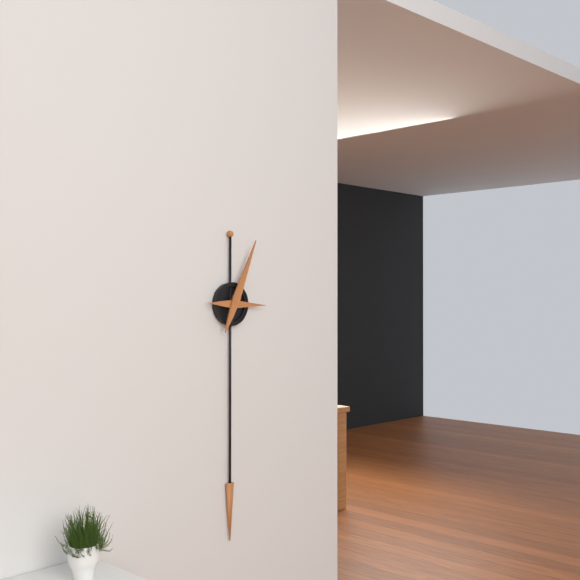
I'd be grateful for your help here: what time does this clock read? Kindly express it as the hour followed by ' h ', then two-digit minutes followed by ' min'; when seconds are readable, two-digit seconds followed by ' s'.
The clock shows 3 h 04 min
